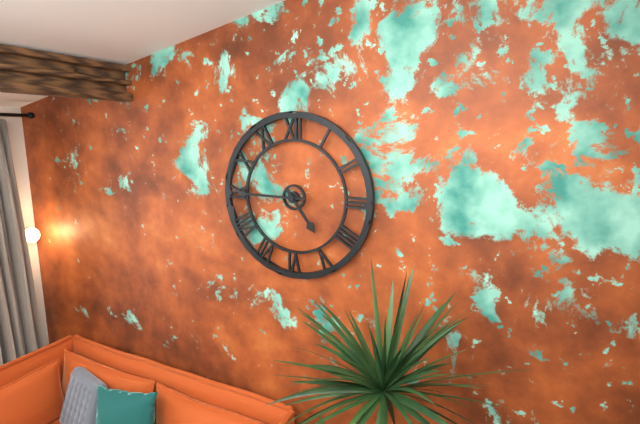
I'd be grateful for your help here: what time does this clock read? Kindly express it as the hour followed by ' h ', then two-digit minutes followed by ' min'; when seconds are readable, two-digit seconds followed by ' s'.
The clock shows 4 h 45 min
